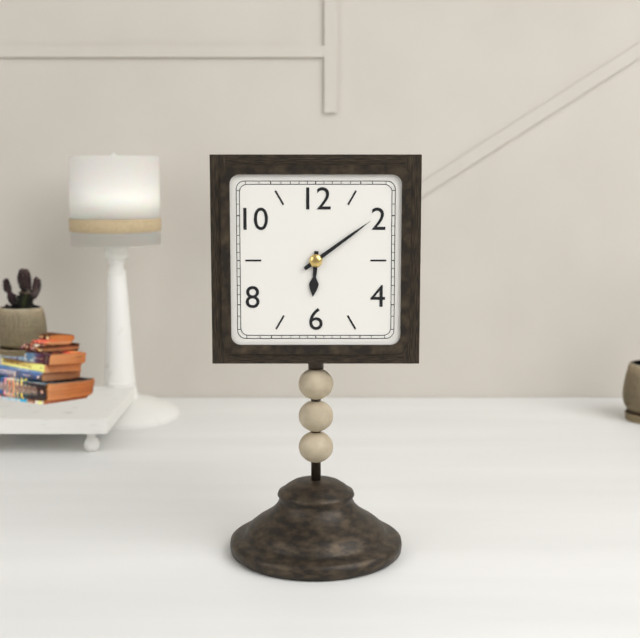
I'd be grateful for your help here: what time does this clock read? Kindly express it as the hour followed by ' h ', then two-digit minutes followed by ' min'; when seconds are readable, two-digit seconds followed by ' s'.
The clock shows 6 h 09 min
